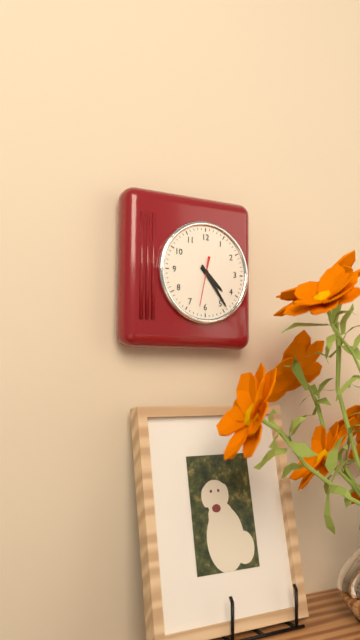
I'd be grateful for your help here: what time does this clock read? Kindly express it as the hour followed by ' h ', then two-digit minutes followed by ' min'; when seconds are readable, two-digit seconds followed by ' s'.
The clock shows 4 h 24 min
